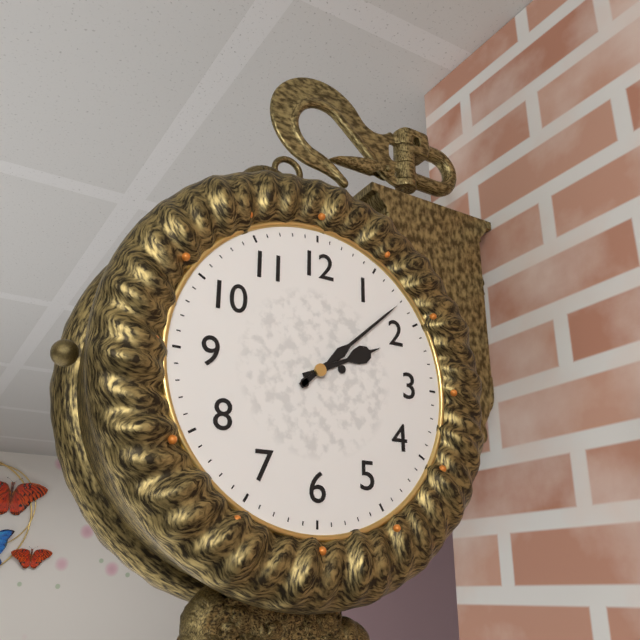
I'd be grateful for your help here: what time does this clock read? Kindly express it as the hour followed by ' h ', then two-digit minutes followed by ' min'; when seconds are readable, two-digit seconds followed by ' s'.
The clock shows 2 h 08 min
